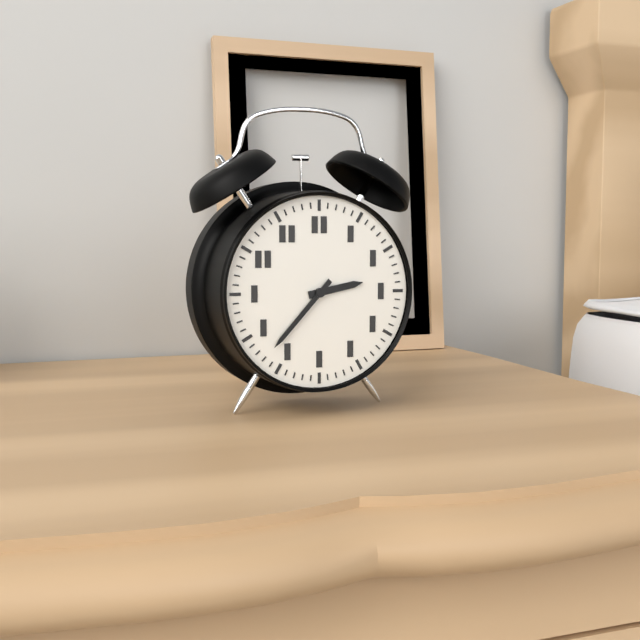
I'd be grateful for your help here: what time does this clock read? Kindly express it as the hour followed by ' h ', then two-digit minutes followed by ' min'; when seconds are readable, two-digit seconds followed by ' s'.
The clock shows 2 h 37 min
